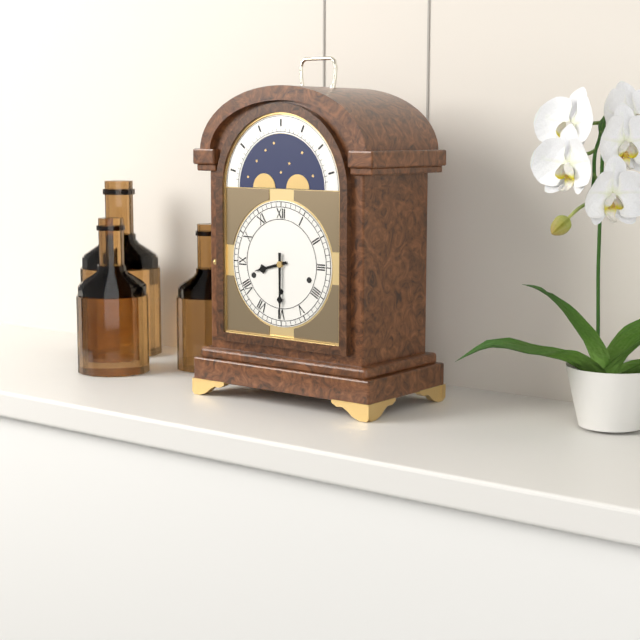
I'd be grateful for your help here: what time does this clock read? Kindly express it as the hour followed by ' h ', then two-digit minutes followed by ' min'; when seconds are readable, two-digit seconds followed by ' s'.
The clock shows 8 h 30 min
